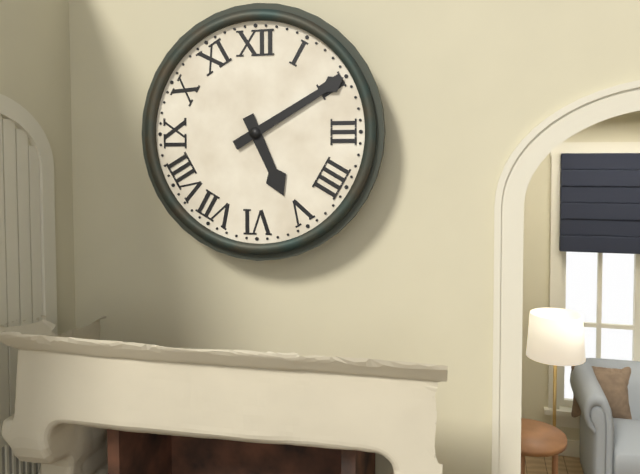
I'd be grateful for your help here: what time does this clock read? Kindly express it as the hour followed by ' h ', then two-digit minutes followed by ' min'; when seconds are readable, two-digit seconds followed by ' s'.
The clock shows 5 h 10 min
